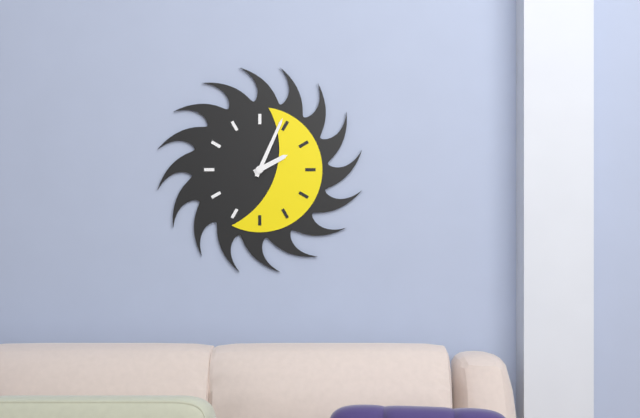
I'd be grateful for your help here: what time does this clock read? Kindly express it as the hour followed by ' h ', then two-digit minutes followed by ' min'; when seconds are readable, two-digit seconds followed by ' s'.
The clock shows 2 h 04 min
